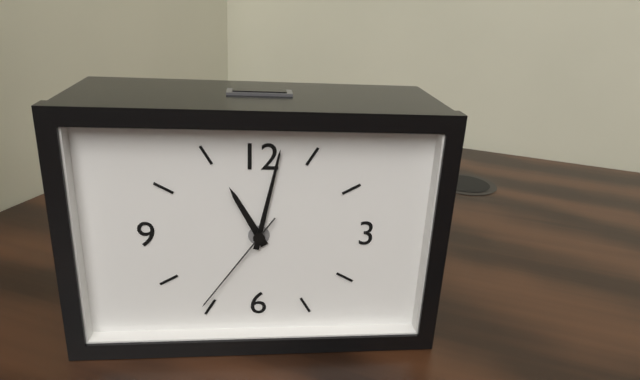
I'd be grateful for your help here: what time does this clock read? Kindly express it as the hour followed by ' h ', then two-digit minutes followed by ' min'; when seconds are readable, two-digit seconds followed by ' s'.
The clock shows 11 h 02 min 36 s
